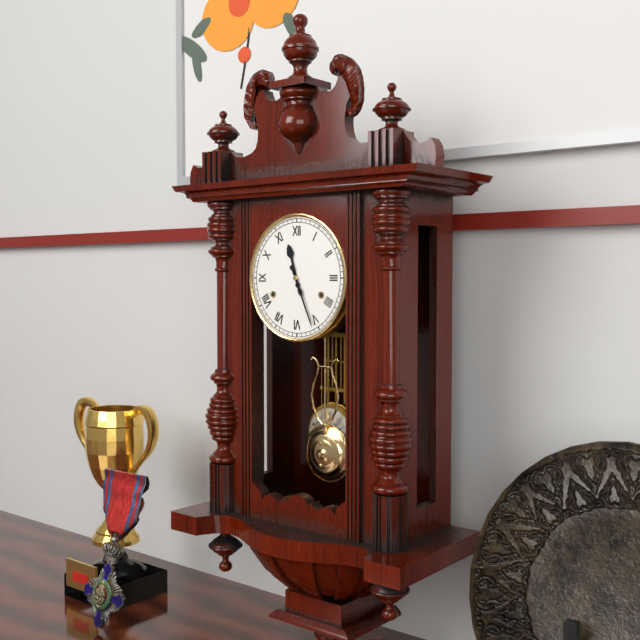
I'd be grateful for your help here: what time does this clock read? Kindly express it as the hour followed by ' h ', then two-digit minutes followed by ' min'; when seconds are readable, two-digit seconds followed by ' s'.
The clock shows 11 h 26 min
